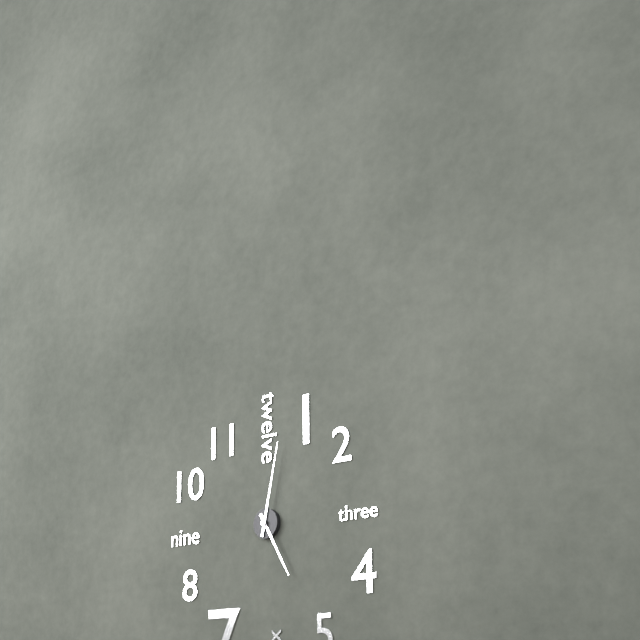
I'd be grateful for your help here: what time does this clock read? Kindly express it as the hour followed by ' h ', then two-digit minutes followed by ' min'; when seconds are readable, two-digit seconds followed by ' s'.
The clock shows 5 h 02 min
